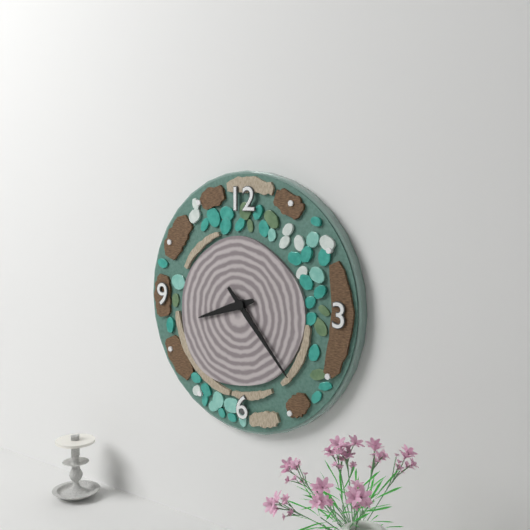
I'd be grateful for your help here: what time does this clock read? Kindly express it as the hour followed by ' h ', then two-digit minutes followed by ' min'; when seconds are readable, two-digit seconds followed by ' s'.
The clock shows 8 h 23 min
